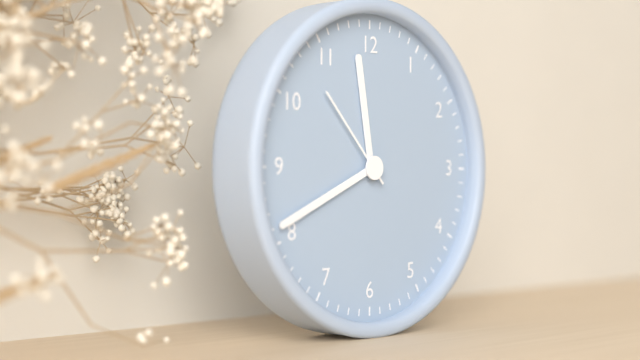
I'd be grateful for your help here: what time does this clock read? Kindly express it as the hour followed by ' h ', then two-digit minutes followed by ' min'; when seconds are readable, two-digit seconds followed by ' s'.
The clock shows 11 h 41 min 53 s
